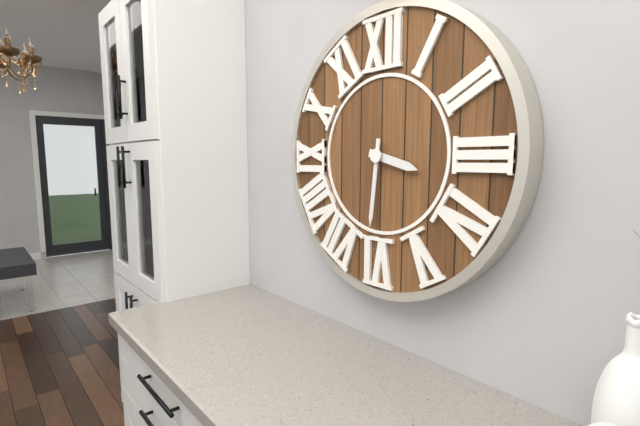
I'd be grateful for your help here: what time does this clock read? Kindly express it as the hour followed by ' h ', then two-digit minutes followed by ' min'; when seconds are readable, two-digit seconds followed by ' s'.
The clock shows 3 h 31 min
